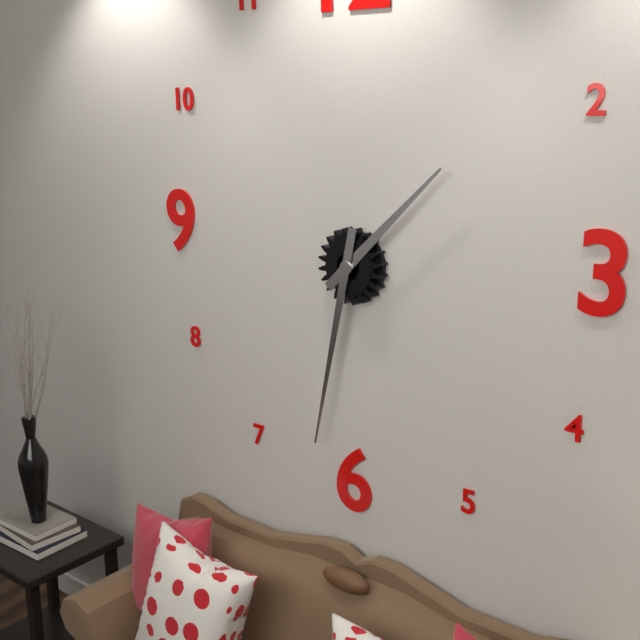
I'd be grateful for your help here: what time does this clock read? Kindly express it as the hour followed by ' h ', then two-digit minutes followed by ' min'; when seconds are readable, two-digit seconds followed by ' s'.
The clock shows 1 h 32 min
